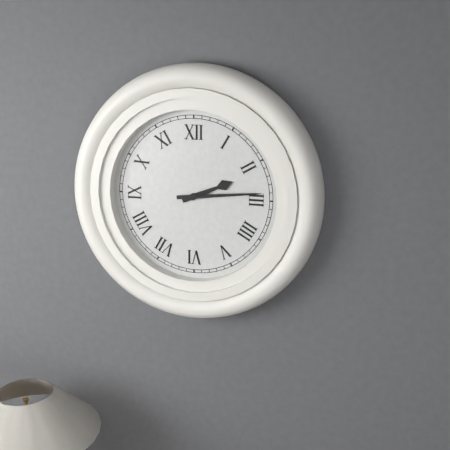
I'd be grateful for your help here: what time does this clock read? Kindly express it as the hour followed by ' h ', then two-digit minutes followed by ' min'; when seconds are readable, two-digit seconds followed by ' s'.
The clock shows 2 h 14 min
